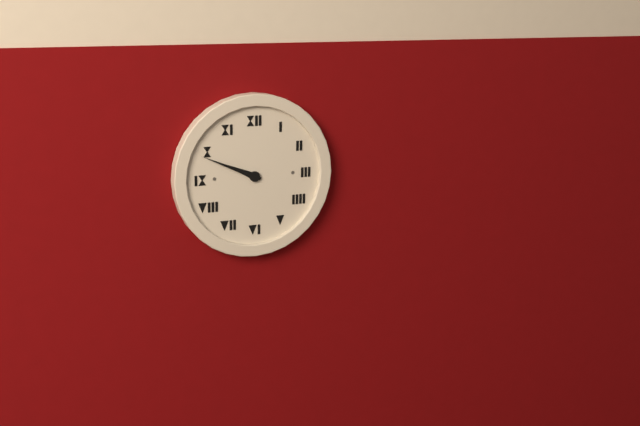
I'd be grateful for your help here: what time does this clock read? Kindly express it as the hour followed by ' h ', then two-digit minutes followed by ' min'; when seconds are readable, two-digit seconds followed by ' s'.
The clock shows 9 h 49 min
